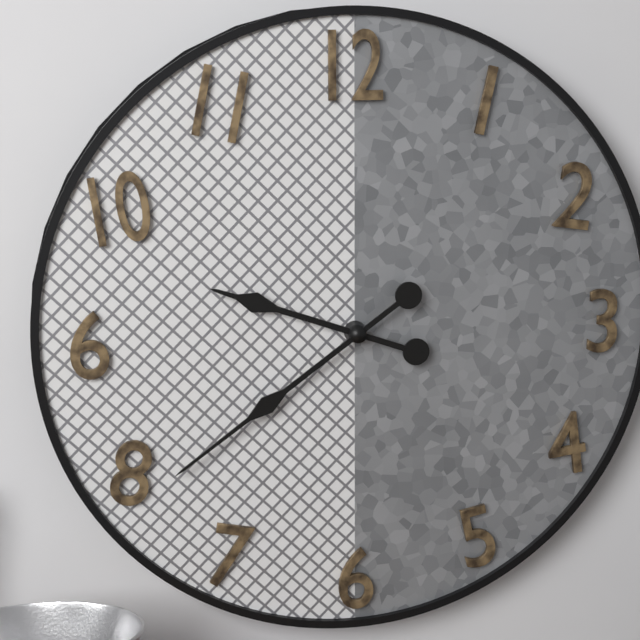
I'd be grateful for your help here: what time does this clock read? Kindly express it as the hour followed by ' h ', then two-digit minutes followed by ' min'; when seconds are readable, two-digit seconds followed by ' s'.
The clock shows 9 h 39 min
